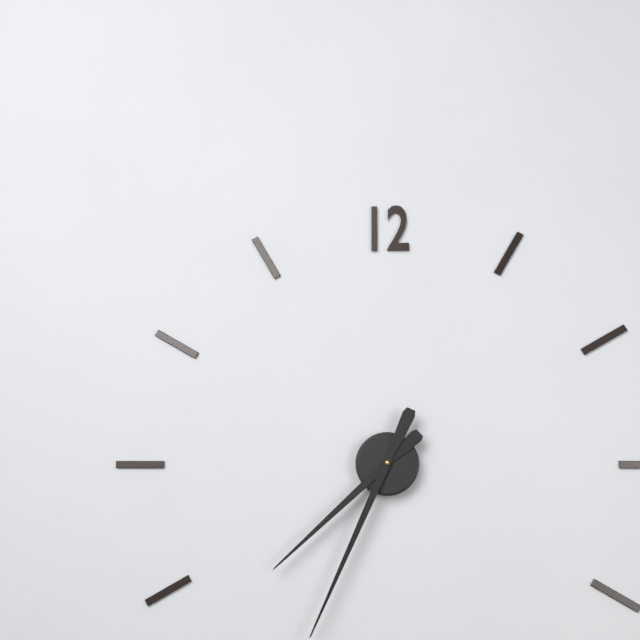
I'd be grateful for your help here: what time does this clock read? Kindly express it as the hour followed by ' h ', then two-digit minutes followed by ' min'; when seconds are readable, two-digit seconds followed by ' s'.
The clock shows 7 h 34 min
